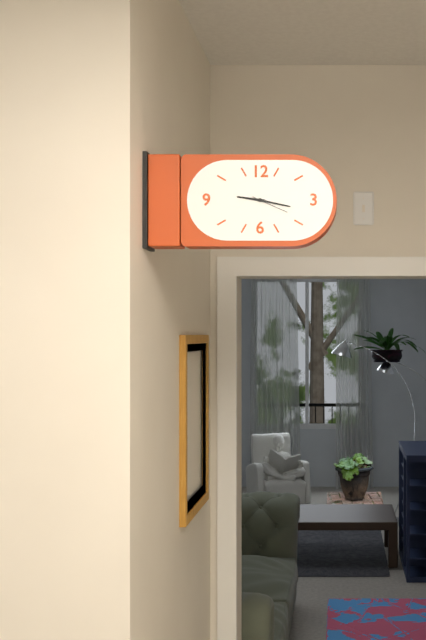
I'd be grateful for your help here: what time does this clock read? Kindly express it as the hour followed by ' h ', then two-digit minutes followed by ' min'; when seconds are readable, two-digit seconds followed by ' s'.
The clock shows 9 h 17 min
